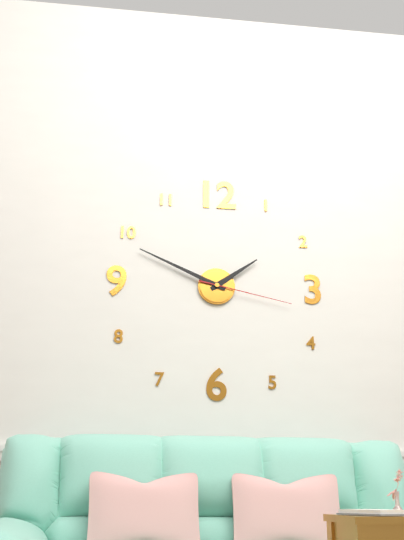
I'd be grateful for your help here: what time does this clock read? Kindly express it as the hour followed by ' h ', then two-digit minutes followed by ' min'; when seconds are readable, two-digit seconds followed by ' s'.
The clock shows 1 h 49 min 17 s
